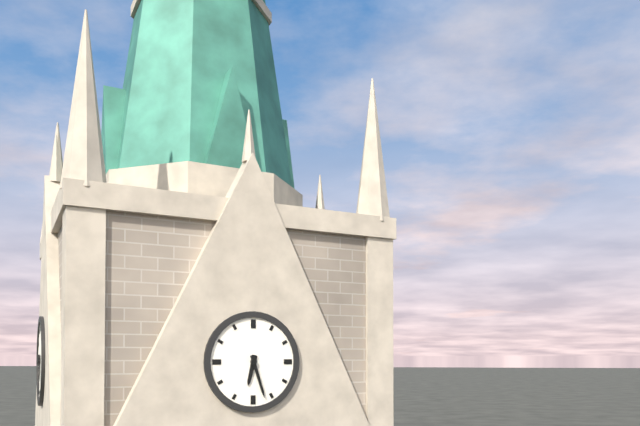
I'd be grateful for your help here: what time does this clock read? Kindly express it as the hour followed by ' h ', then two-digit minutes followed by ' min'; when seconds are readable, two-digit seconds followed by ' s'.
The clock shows 6 h 27 min
